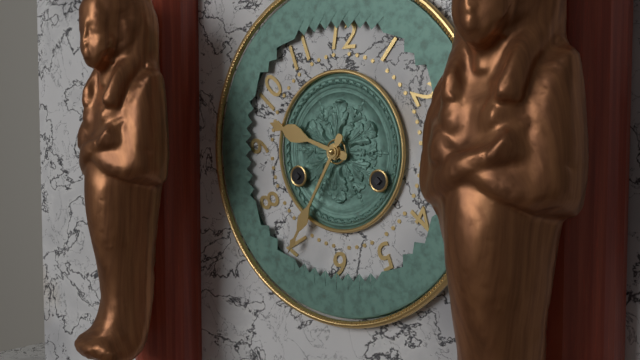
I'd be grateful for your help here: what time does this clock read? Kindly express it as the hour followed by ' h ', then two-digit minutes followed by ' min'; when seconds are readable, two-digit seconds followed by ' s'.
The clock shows 9 h 35 min
